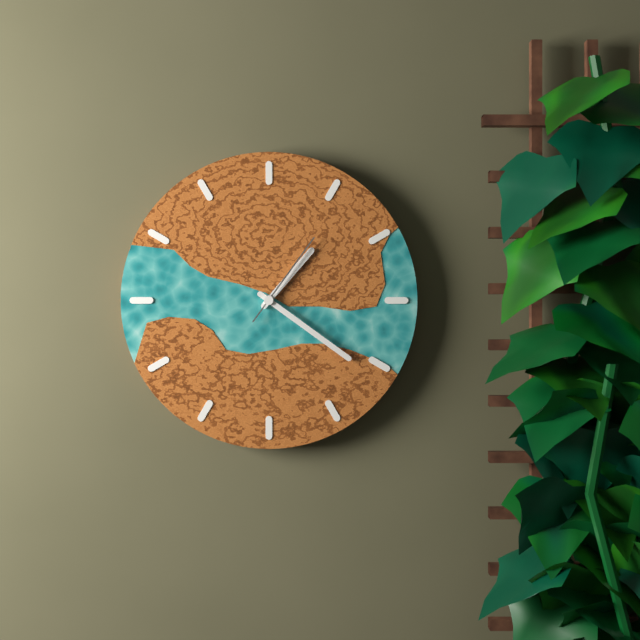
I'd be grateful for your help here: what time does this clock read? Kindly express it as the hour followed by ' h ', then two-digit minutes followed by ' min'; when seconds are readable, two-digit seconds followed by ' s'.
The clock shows 1 h 21 min 06 s
